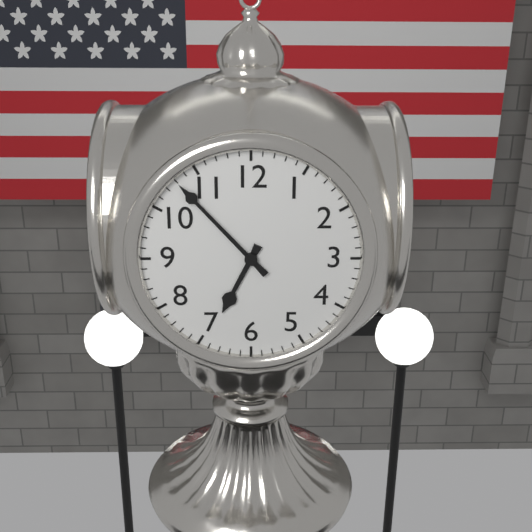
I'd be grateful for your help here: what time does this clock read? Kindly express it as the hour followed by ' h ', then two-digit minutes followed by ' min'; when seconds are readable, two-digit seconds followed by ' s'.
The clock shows 6 h 53 min
